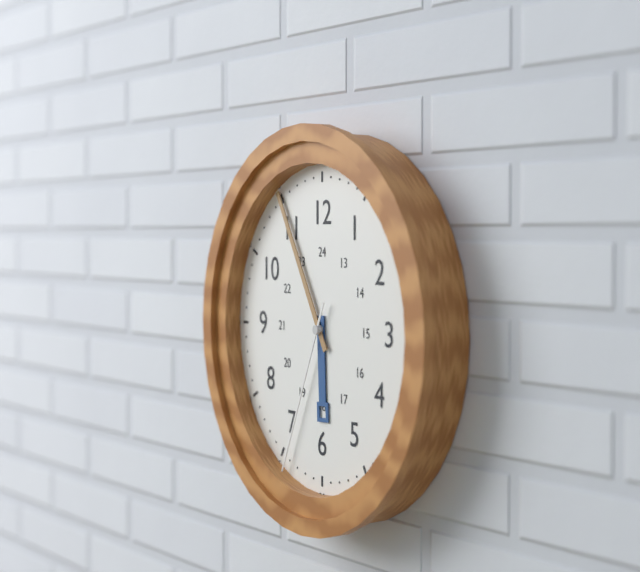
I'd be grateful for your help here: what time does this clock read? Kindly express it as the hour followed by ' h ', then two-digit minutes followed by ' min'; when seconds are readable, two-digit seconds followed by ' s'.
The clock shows 5 h 55 min 34 s
